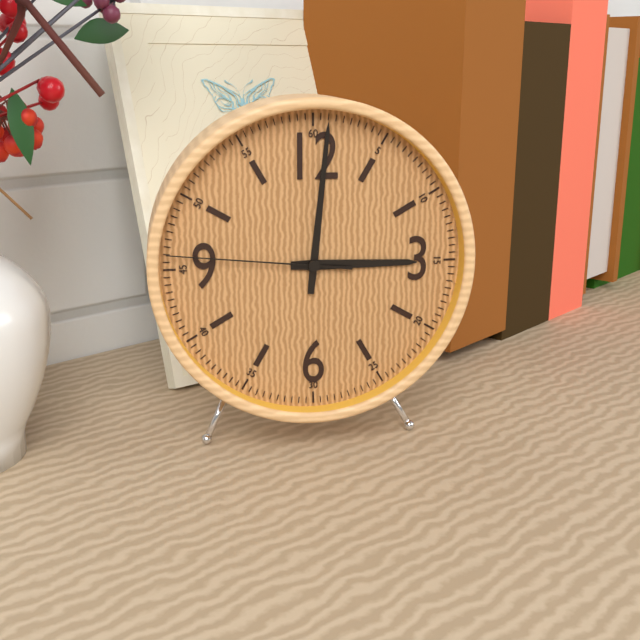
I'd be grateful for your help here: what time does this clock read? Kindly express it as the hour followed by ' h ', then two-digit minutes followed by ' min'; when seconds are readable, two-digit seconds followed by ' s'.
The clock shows 3 h 01 min 46 s
